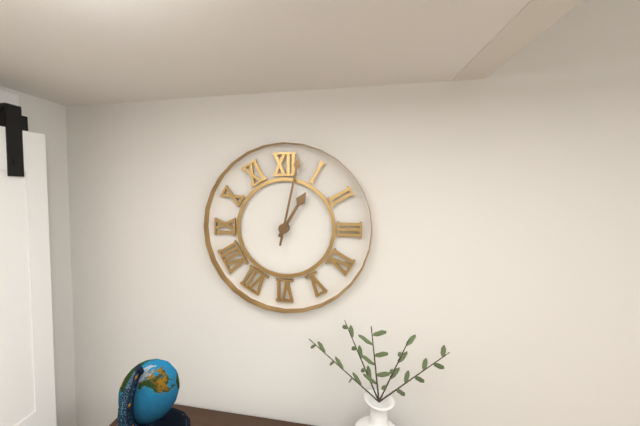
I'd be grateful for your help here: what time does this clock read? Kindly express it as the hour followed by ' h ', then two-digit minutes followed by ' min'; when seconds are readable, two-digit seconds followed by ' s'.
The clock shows 1 h 02 min
